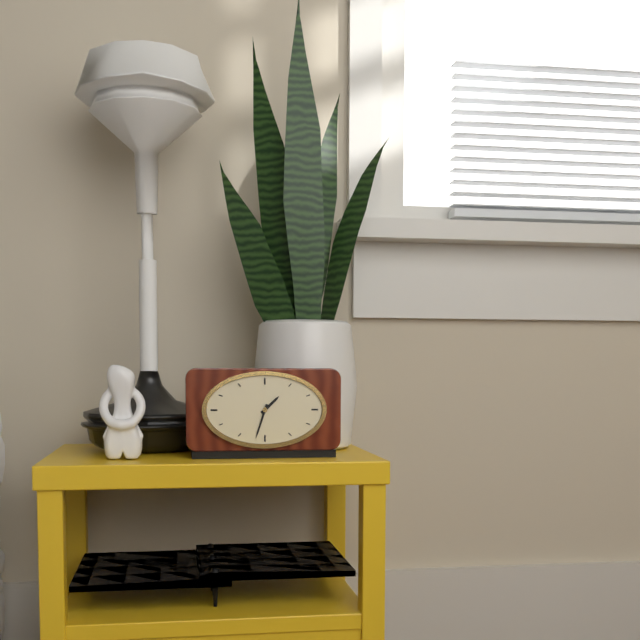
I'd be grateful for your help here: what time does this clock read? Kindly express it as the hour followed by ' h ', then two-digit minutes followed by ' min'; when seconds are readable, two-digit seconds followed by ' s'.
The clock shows 1 h 33 min
